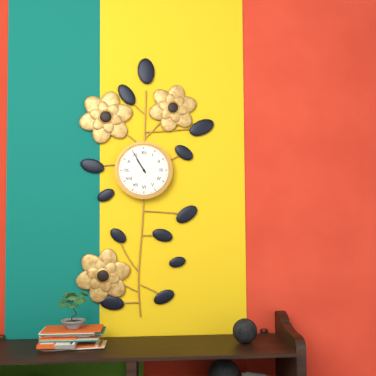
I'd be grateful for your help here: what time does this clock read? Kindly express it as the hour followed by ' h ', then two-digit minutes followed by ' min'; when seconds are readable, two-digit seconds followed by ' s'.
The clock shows 10 h 55 min
